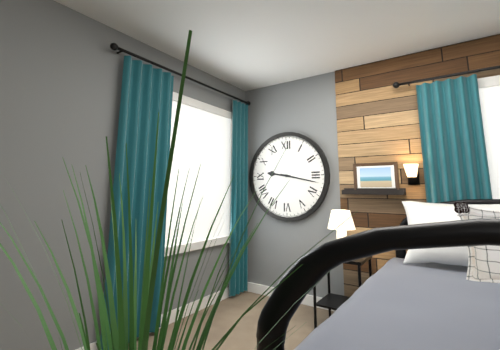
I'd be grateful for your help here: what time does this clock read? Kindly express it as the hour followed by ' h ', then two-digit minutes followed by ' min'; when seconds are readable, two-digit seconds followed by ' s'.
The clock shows 9 h 17 min
